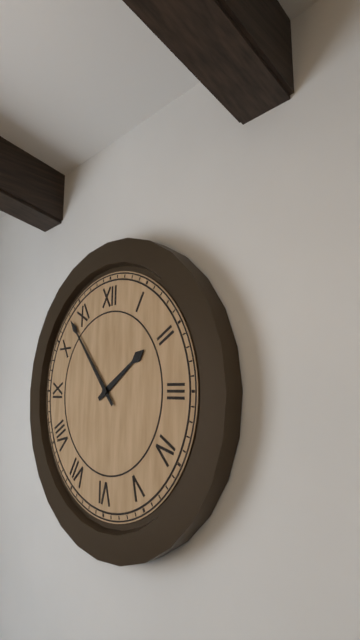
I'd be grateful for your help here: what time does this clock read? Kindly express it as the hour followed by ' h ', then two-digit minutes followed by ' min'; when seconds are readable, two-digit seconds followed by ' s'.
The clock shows 1 h 53 min
